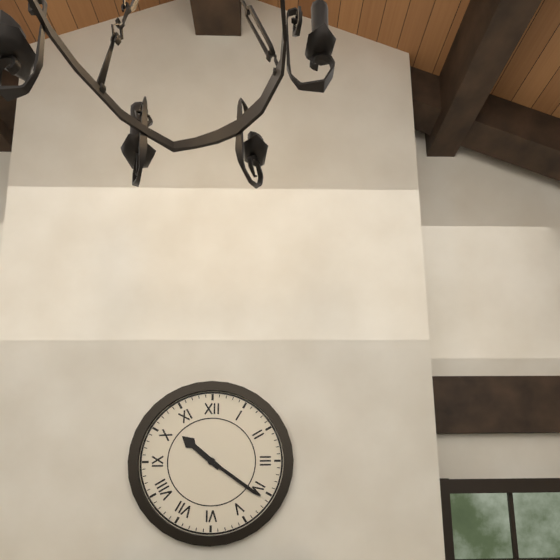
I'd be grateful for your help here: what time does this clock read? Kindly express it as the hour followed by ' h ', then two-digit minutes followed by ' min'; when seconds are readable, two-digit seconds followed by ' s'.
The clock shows 10 h 21 min
